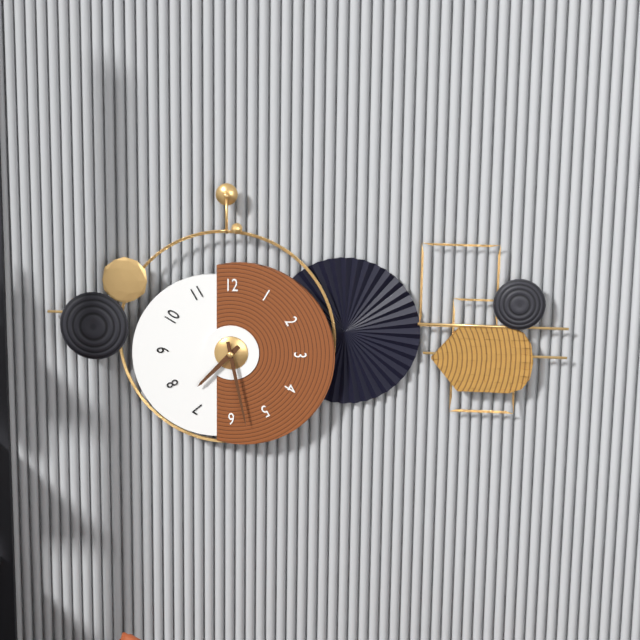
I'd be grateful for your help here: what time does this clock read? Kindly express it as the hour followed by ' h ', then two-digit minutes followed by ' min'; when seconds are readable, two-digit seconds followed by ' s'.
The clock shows 7 h 28 min
